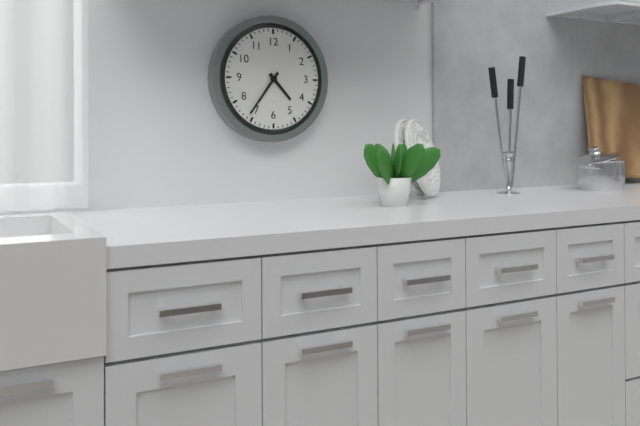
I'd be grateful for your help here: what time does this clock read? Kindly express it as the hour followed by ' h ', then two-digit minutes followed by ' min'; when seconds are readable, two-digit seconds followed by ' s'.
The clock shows 4 h 36 min
